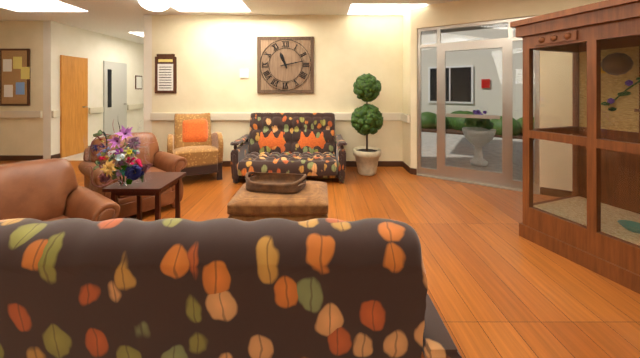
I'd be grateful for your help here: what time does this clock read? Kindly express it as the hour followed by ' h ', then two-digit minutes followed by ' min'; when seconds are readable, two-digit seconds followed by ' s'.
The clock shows 11 h 13 min
